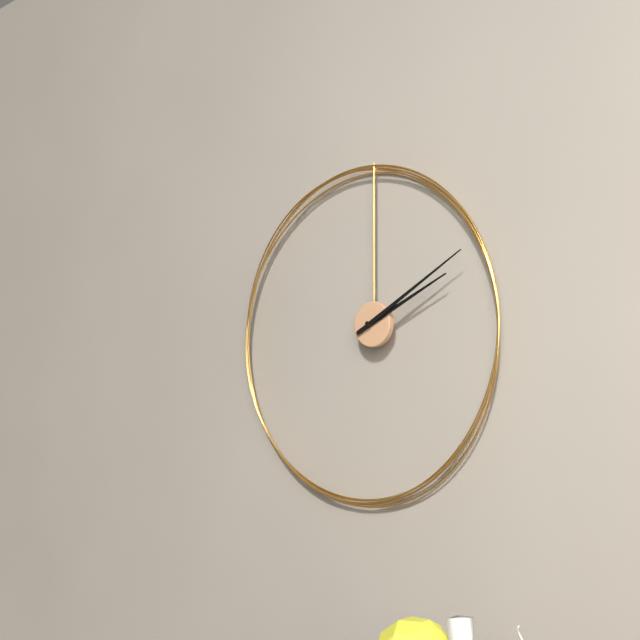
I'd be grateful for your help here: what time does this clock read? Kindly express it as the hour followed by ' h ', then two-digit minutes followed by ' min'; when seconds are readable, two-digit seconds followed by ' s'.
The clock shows 2 h 10 min
